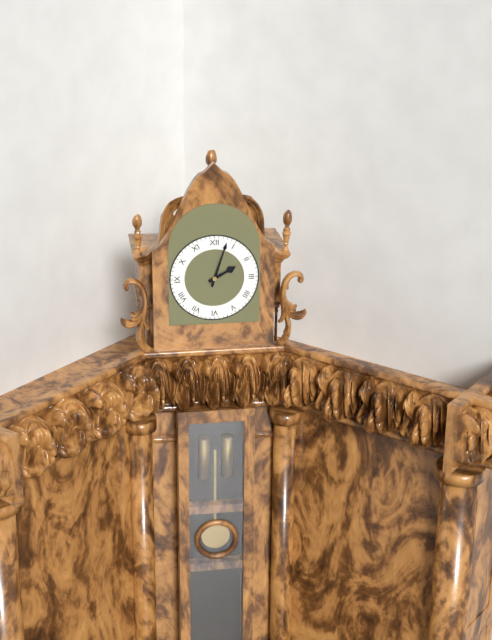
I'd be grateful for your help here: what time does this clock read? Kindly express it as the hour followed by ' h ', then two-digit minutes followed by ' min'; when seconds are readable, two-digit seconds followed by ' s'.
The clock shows 2 h 03 min
